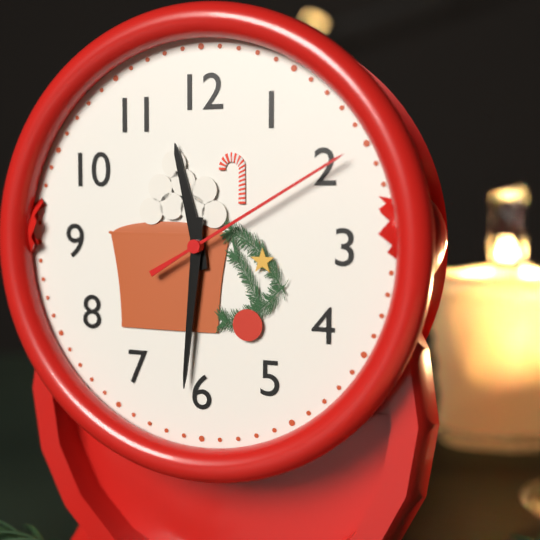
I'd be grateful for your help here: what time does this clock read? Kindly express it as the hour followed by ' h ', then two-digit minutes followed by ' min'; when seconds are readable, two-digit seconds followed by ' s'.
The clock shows 11 h 31 min 10 s
